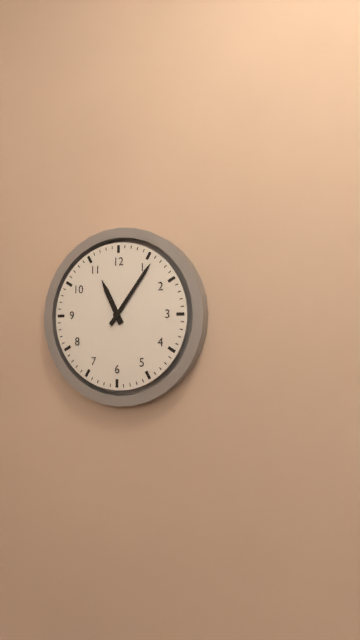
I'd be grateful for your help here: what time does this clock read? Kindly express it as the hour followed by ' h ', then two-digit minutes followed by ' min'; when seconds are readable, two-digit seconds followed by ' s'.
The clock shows 11 h 06 min
